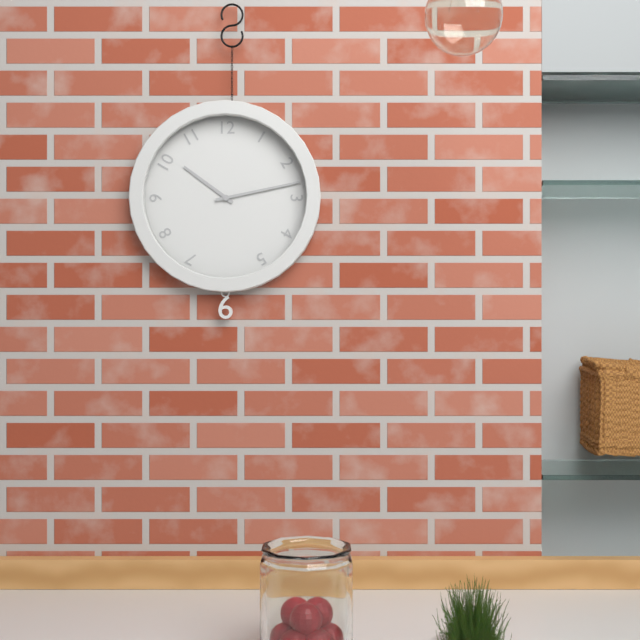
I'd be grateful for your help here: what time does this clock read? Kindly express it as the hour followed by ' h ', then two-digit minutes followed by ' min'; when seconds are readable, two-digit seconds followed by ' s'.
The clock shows 10 h 13 min
